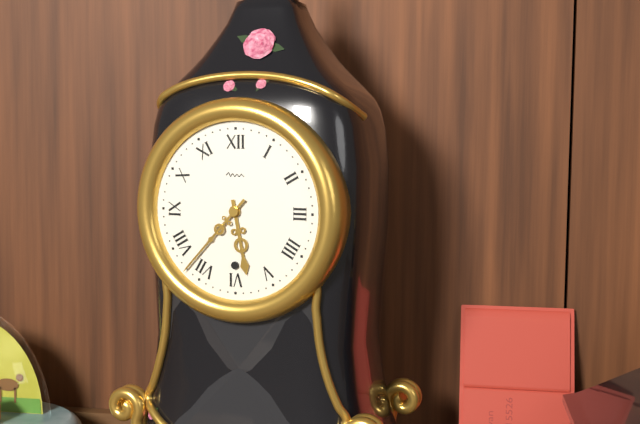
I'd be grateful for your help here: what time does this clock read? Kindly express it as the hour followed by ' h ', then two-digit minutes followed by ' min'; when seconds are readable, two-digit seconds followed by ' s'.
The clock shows 5 h 37 min
